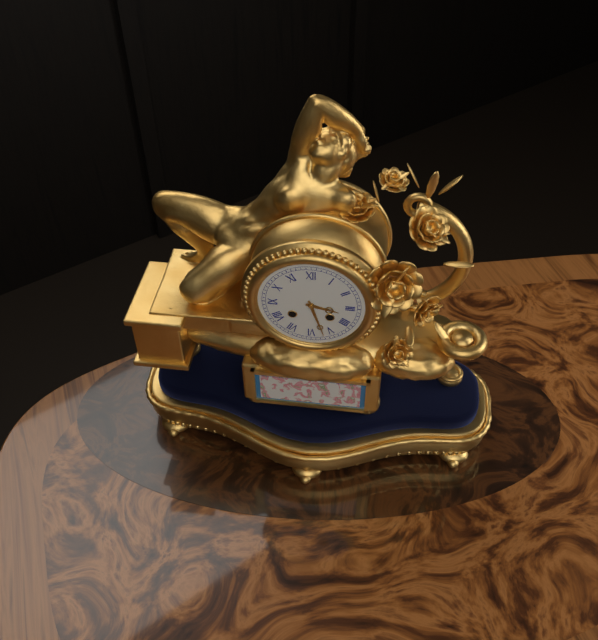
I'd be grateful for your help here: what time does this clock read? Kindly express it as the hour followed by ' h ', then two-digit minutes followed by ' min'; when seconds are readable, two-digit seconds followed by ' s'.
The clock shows 3 h 27 min
